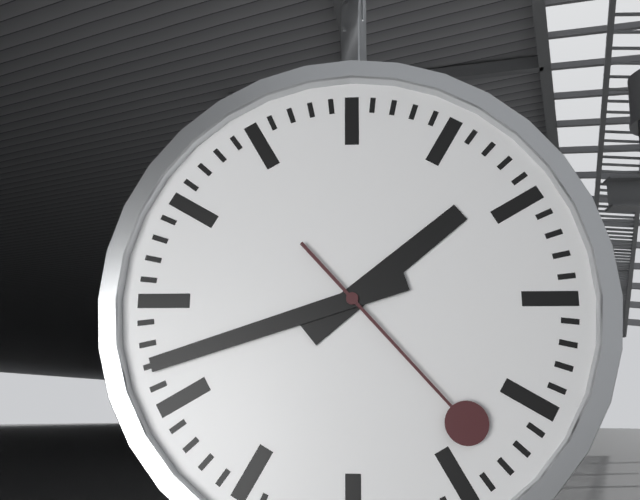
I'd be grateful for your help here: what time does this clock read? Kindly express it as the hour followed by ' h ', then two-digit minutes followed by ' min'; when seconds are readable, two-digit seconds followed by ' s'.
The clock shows 1 h 42 min 23 s
